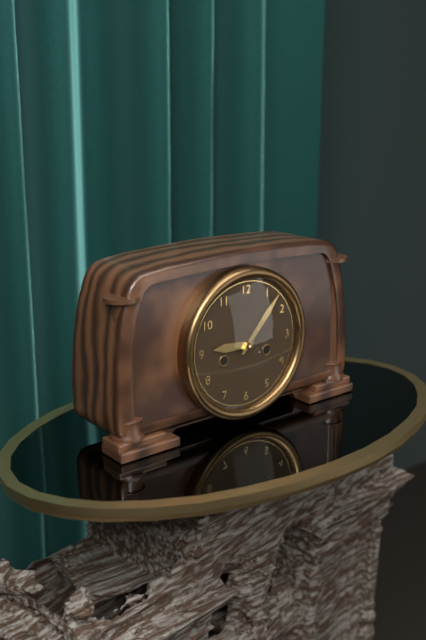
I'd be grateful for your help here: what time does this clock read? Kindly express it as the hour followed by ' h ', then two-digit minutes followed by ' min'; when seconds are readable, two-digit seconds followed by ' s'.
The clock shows 9 h 07 min
